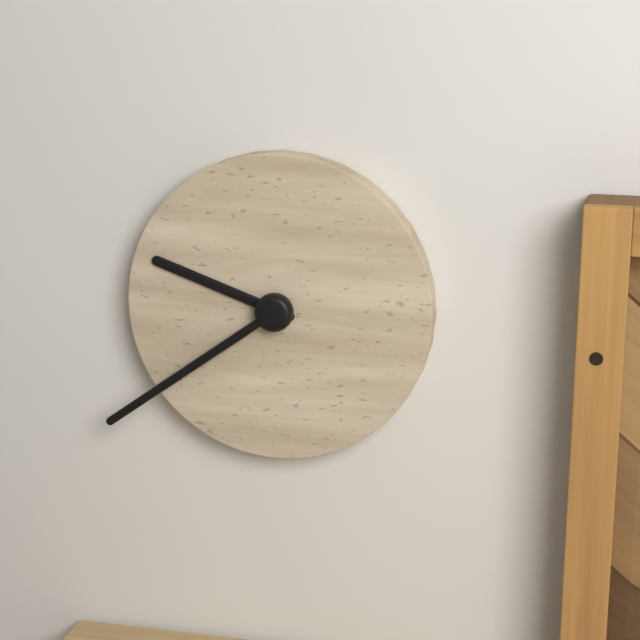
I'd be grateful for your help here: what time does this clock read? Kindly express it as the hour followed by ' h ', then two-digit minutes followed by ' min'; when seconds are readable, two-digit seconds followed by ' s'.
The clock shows 9 h 39 min
